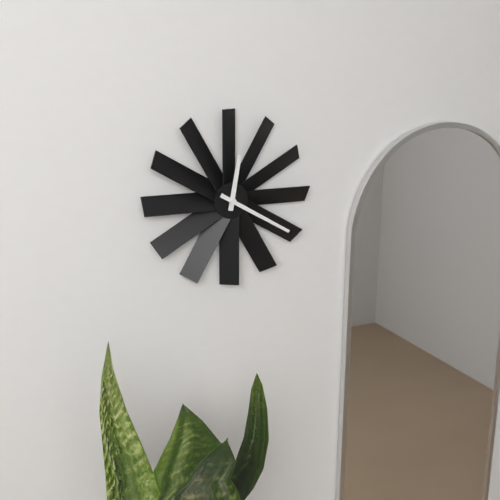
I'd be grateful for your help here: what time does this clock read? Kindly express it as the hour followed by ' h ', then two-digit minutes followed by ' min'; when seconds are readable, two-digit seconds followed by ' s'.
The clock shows 12 h 20 min
